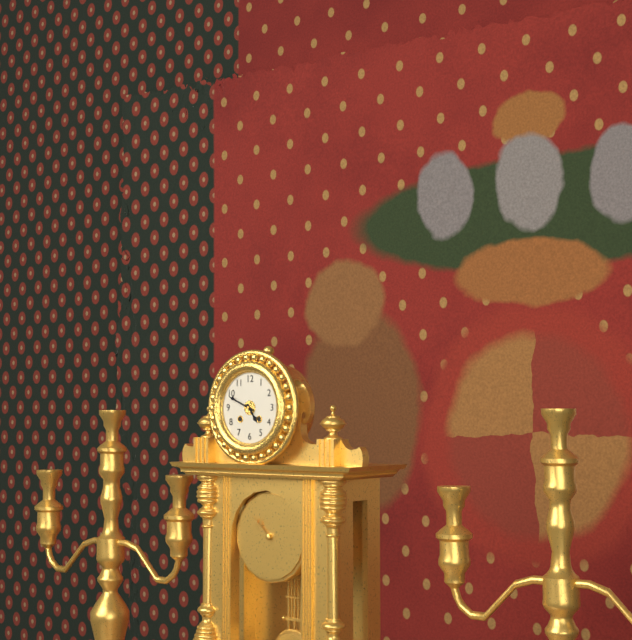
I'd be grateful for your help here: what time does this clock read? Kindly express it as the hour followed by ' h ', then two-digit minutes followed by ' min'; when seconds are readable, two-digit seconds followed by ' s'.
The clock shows 4 h 49 min
